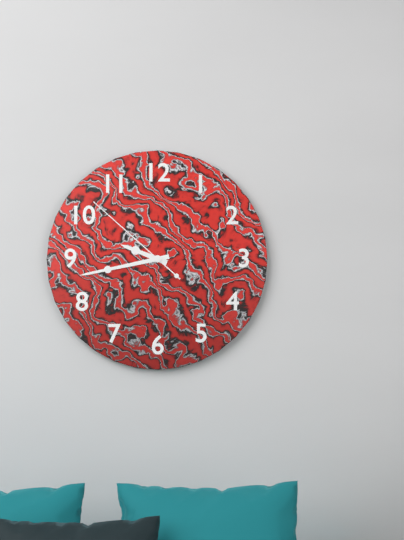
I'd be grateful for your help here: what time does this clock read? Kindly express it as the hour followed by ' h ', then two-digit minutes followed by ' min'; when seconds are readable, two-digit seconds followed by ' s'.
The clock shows 9 h 43 min 52 s
